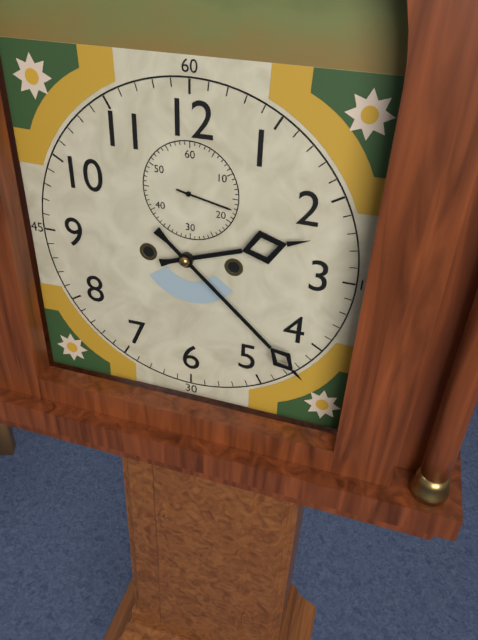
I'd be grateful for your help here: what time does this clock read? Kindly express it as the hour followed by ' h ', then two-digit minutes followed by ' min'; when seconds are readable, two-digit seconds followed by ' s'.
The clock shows 2 h 22 min 17 s
